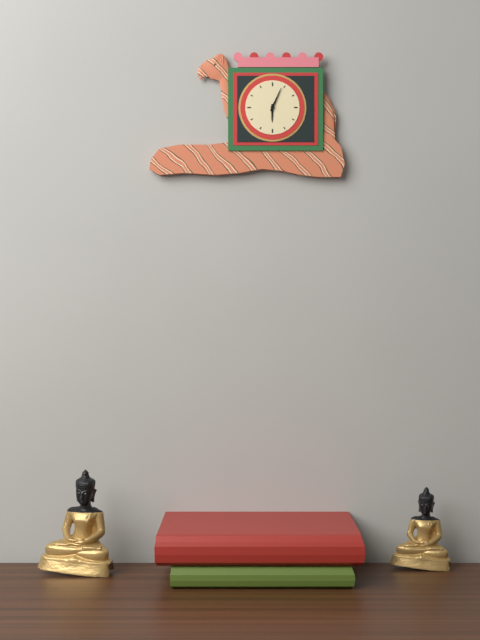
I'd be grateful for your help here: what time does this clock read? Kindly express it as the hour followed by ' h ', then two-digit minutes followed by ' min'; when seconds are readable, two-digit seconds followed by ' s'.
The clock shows 6 h 04 min
